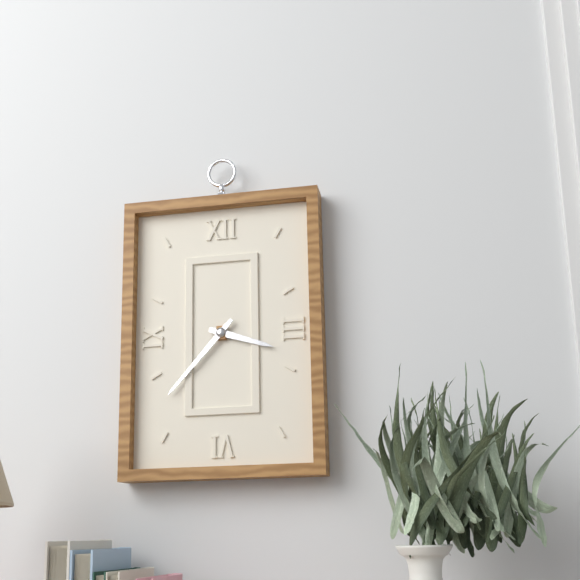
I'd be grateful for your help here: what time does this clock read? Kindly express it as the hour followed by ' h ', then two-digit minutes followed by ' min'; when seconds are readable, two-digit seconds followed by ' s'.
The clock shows 3 h 37 min
